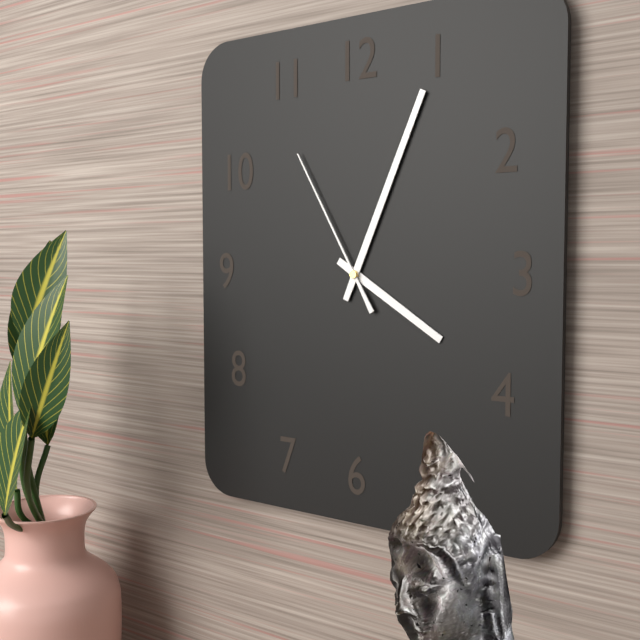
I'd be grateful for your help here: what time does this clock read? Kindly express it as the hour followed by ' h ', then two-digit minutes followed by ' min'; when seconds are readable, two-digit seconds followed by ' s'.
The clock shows 4 h 04 min 55 s
